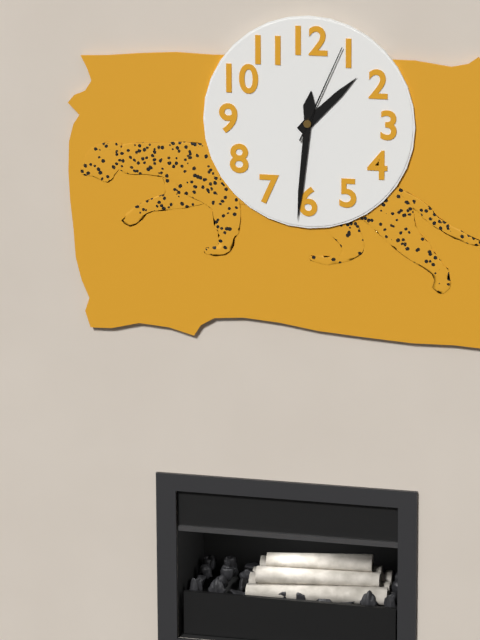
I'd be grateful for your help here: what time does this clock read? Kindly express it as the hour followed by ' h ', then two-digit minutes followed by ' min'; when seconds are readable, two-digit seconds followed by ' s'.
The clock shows 1 h 31 min 04 s
